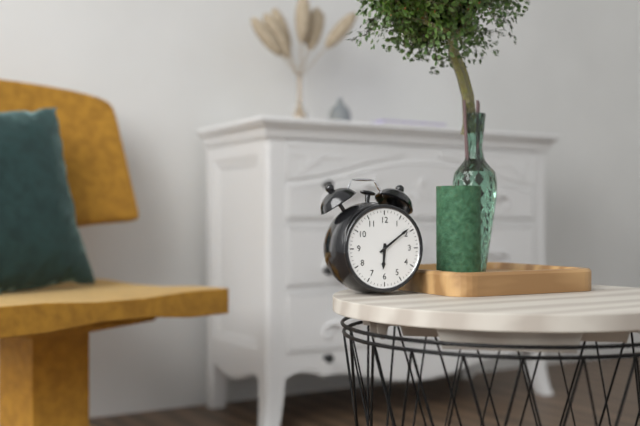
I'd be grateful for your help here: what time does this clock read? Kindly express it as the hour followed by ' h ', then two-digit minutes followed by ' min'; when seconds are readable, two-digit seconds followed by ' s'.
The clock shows 6 h 09 min
